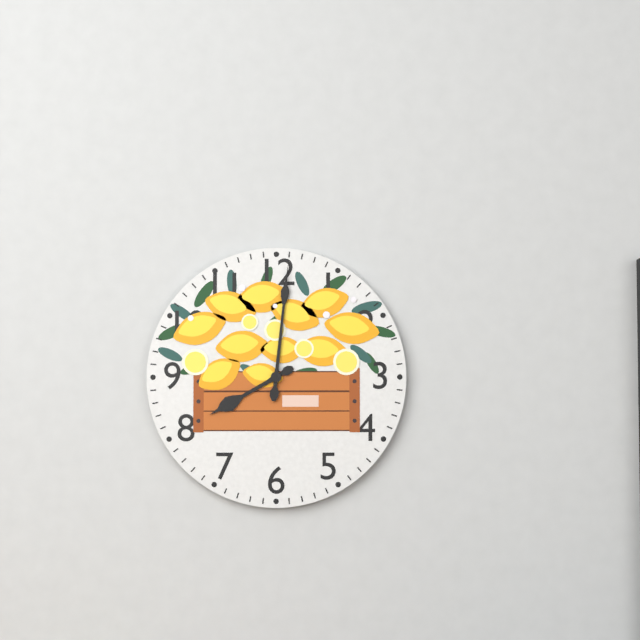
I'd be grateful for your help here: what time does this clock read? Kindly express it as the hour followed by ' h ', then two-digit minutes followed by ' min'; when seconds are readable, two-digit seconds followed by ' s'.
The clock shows 8 h 01 min
